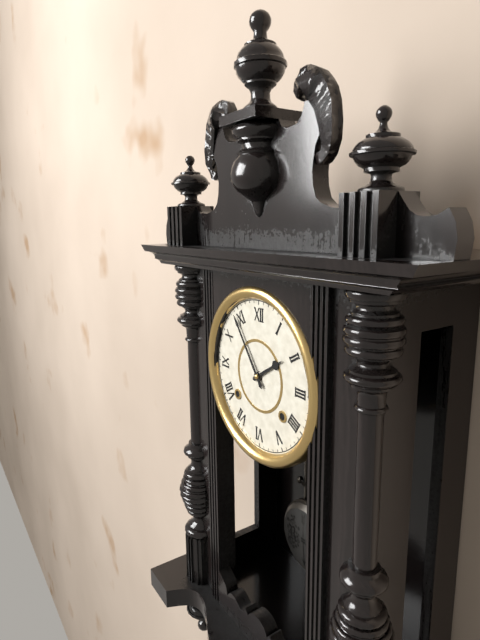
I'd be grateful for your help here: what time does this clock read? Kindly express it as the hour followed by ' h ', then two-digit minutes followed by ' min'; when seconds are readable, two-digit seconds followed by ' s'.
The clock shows 1 h 54 min
